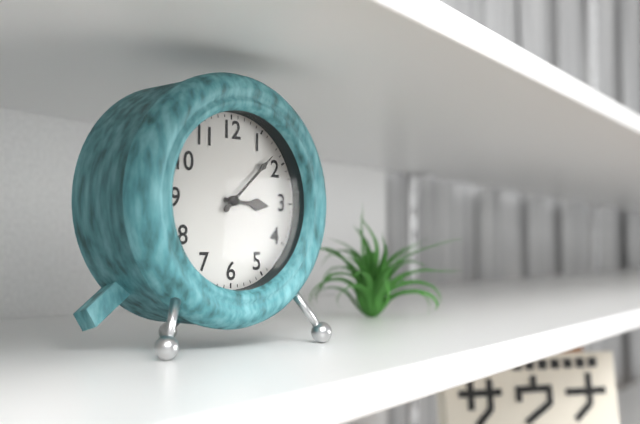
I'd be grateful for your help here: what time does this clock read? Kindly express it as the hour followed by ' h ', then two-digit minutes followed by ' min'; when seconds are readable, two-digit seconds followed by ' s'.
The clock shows 3 h 08 min
